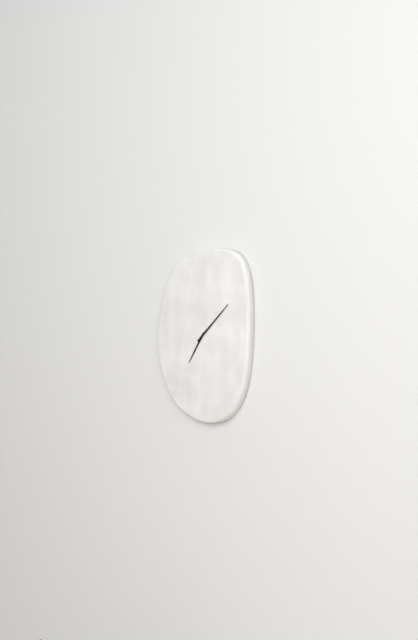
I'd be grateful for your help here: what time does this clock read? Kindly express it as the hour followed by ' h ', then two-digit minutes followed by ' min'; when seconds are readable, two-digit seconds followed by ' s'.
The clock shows 7 h 08 min
